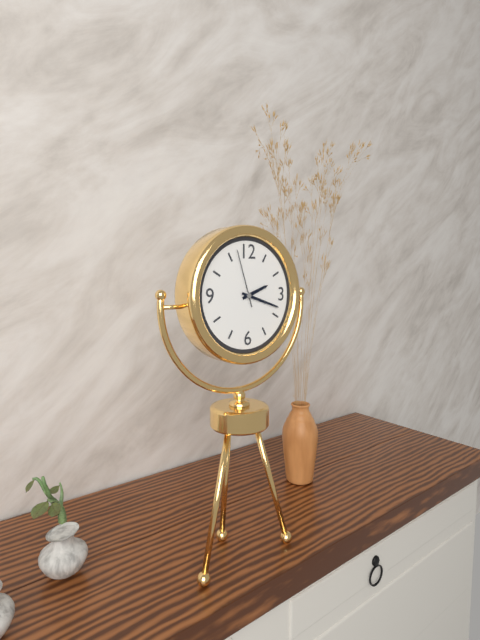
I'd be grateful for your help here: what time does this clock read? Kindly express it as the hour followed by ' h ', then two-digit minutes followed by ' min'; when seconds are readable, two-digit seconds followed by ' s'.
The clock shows 2 h 18 min 57 s
